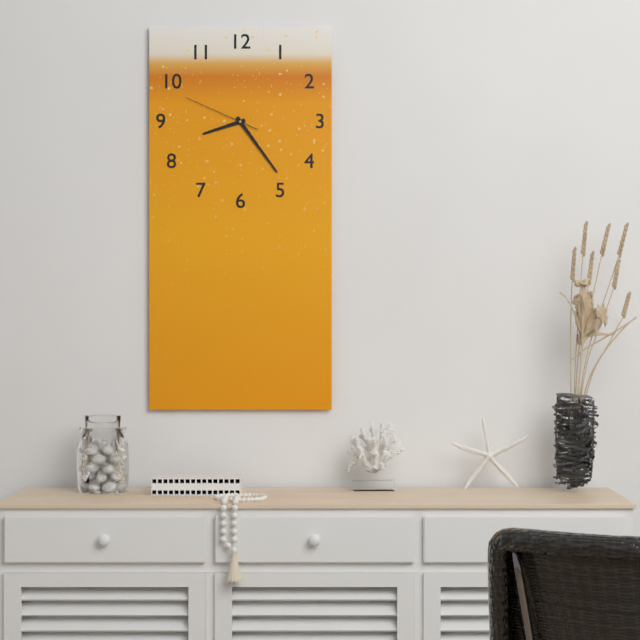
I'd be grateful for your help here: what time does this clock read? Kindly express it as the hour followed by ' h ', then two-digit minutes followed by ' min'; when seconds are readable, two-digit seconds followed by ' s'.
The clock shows 8 h 24 min 49 s
